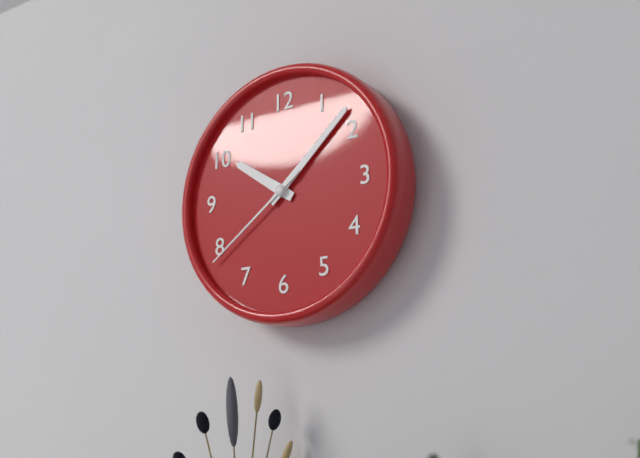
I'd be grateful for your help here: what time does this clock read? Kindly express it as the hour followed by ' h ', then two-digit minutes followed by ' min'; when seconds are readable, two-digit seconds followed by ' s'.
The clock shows 10 h 08 min 39 s
